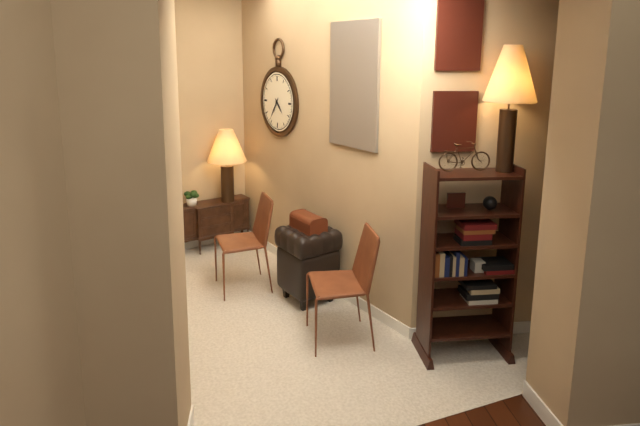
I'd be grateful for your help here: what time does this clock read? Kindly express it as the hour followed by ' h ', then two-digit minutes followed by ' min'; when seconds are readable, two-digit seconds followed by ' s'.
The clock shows 4 h 36 min
